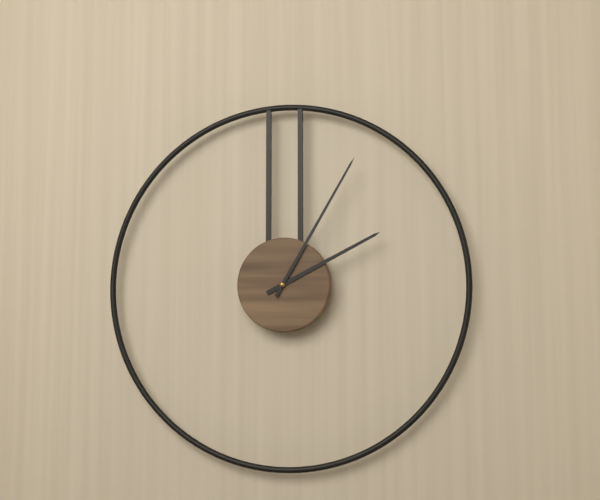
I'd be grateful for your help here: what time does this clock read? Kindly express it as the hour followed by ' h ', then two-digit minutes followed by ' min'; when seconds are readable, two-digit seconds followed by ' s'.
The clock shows 2 h 05 min
